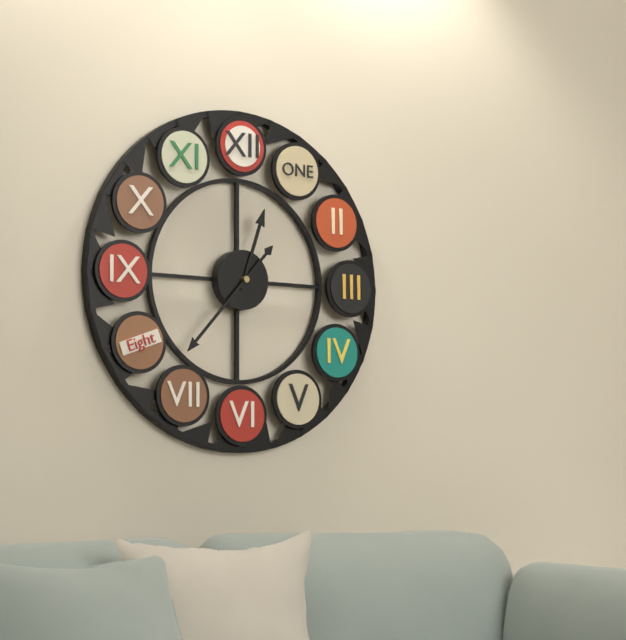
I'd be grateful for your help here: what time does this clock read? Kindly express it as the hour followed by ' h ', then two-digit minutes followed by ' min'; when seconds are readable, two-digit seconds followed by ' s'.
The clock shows 12 h 37 min
